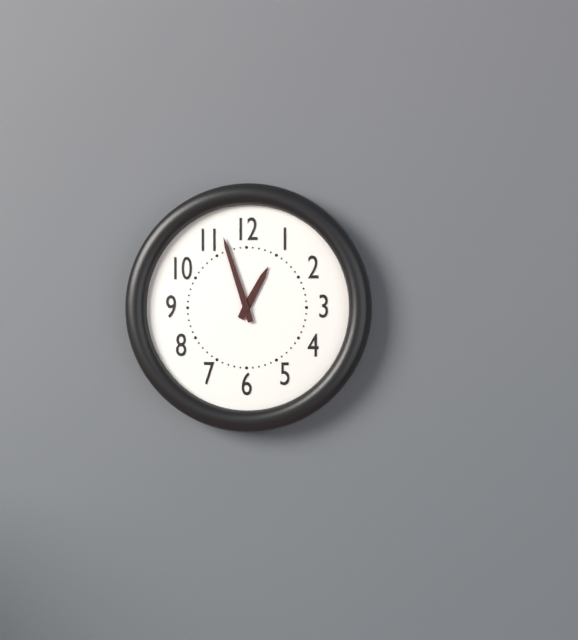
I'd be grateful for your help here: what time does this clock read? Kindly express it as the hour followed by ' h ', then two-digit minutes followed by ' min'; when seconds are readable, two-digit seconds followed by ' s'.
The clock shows 12 h 57 min
